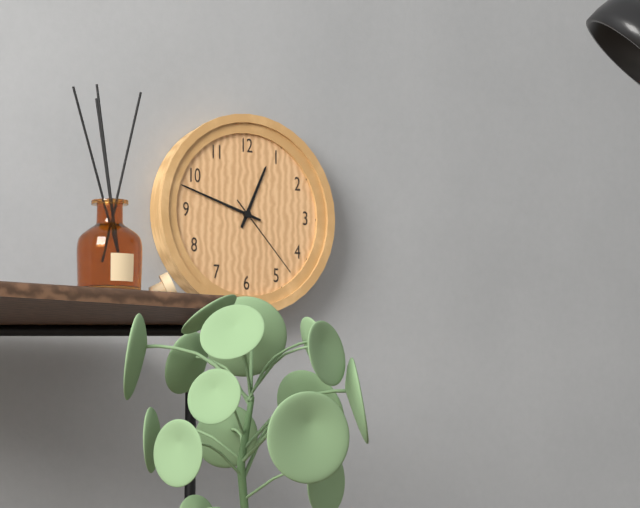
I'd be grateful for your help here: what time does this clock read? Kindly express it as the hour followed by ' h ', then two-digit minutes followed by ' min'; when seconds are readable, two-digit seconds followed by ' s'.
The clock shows 12 h 48 min 23 s
